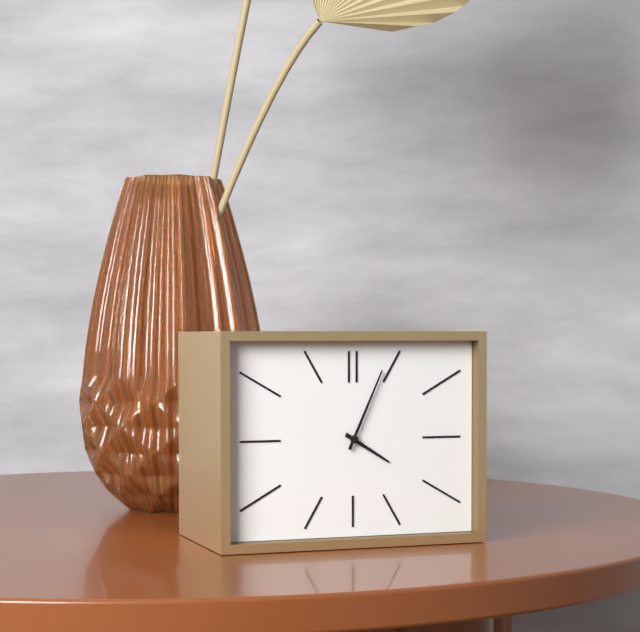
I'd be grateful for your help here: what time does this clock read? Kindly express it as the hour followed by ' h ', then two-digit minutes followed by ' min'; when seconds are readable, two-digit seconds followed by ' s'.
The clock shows 4 h 04 min
